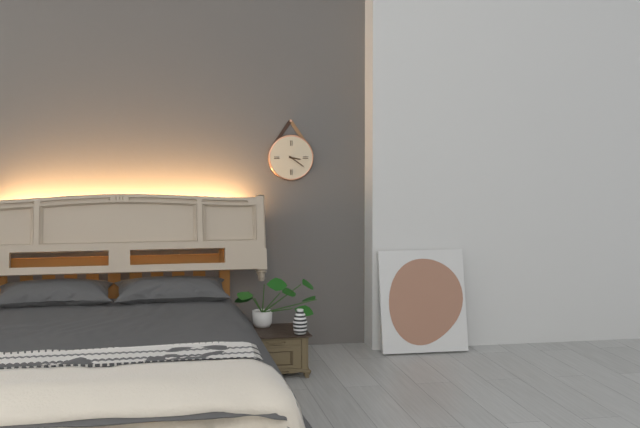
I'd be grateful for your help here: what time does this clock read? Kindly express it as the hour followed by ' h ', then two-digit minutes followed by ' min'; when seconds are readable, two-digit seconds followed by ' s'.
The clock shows 3 h 21 min
